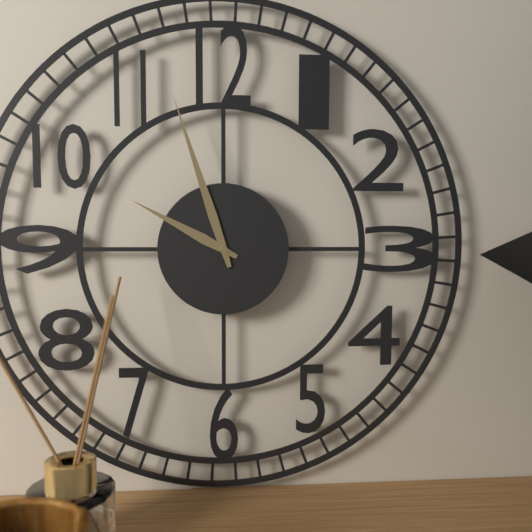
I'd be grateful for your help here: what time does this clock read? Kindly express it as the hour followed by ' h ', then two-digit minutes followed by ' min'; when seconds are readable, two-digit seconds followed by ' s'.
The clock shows 9 h 57 min
